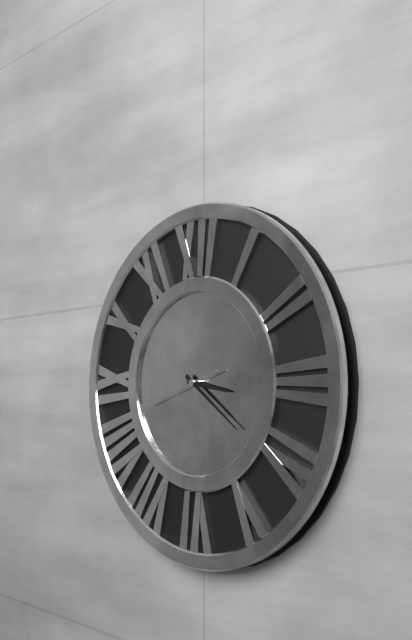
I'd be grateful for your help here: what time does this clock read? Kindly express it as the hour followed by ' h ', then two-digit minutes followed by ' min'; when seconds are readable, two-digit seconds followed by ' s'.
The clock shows 3 h 21 min 42 s
